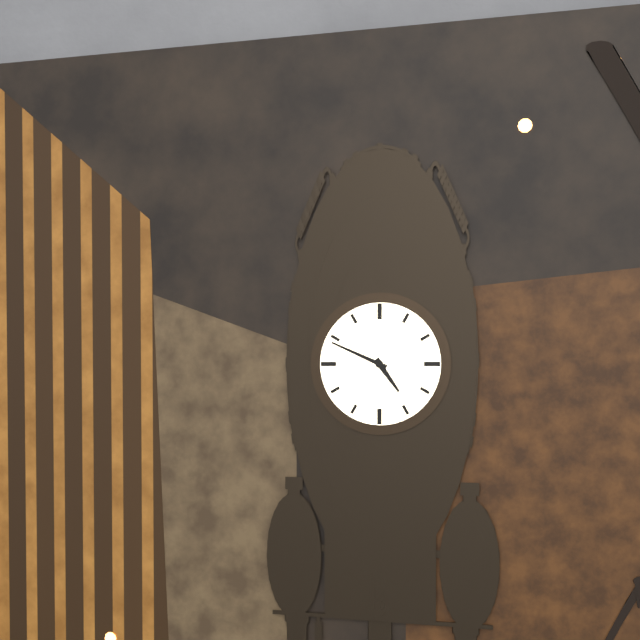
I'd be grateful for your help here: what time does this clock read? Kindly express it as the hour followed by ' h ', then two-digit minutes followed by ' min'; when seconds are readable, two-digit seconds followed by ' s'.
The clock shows 4 h 49 min
